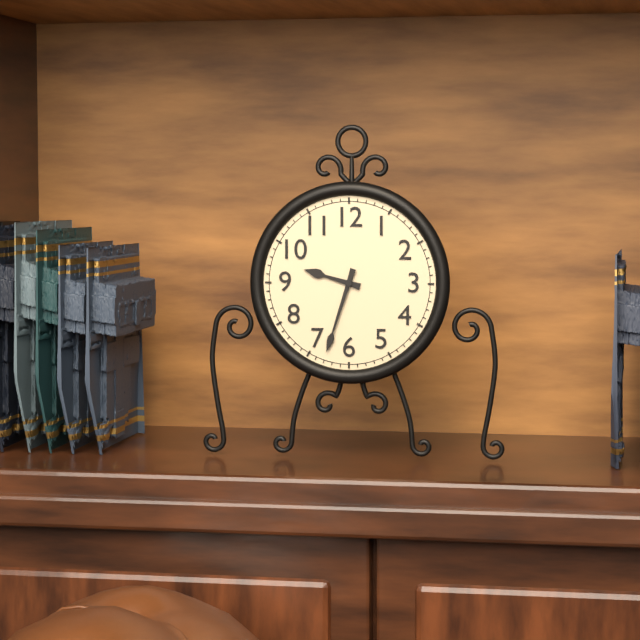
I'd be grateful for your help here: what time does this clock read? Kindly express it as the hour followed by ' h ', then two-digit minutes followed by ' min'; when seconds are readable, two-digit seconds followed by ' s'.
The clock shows 9 h 33 min
